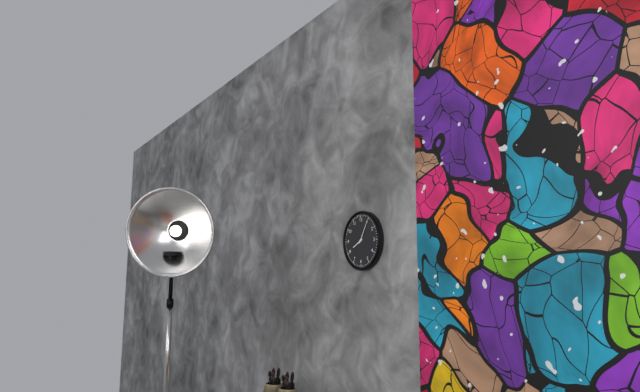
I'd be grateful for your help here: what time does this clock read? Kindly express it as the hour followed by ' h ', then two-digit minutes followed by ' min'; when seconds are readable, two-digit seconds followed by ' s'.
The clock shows 8 h 05 min
